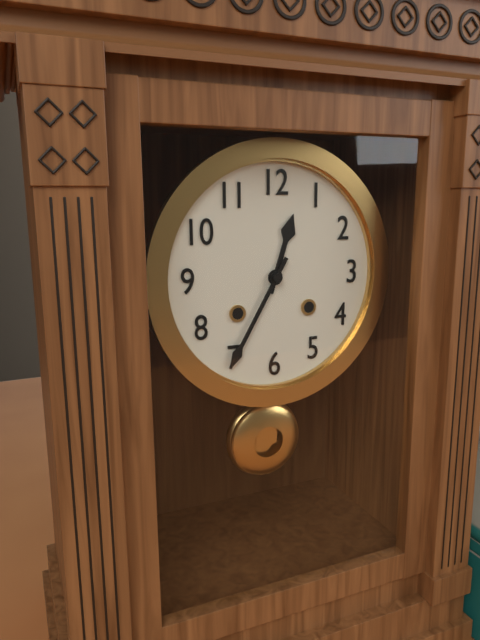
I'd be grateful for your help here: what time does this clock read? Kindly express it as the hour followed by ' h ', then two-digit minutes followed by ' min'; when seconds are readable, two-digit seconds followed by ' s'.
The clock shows 12 h 35 min
